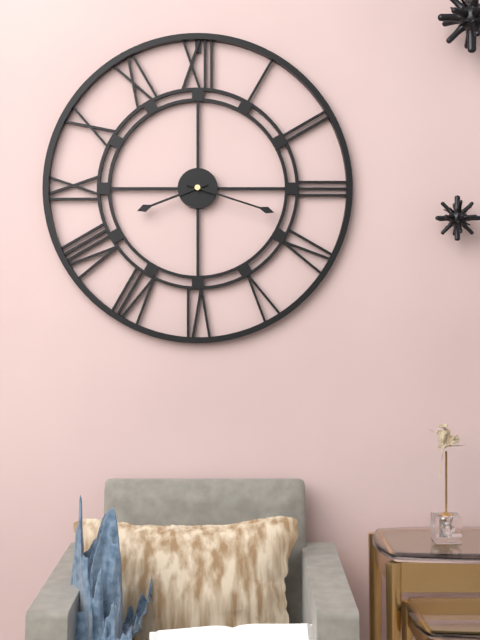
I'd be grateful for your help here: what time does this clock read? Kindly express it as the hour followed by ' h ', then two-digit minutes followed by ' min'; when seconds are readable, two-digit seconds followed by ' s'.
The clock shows 8 h 18 min
